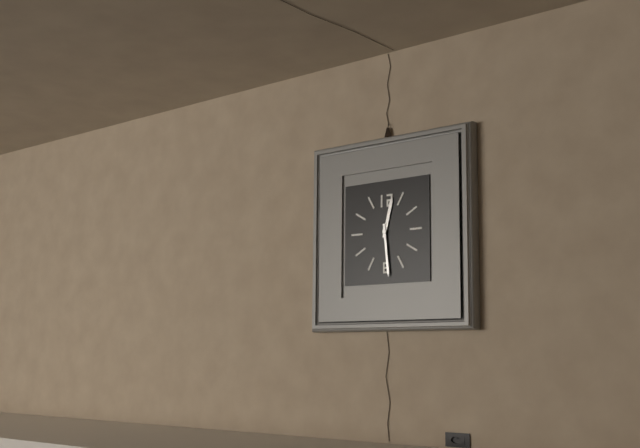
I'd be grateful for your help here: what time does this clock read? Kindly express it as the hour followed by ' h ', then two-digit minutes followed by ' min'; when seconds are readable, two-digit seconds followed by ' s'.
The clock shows 12 h 29 min
